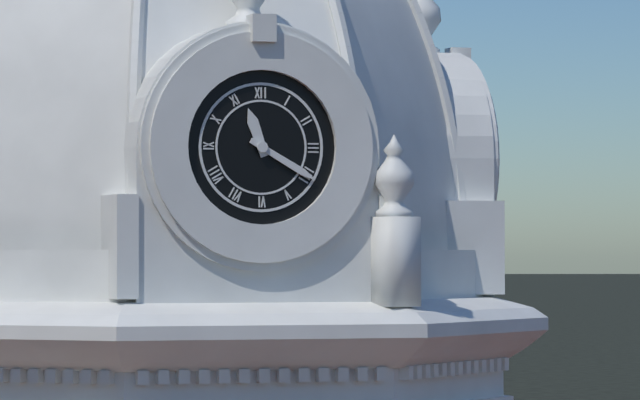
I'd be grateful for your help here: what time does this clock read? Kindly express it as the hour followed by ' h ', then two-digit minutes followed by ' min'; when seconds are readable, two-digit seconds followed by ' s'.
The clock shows 11 h 20 min
